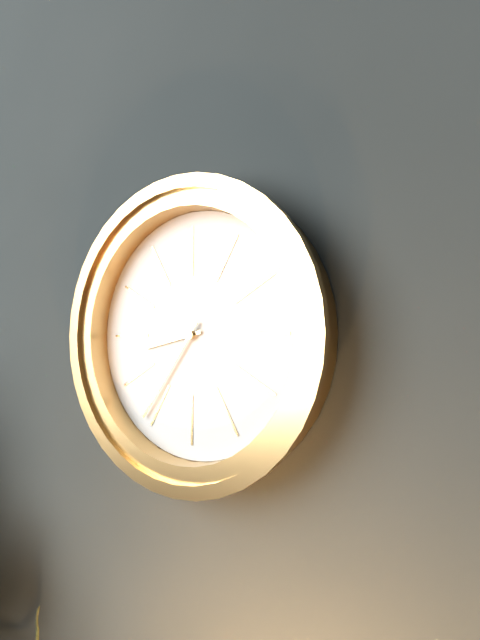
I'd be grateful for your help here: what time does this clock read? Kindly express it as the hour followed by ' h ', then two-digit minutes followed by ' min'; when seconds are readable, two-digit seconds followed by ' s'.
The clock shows 8 h 36 min
